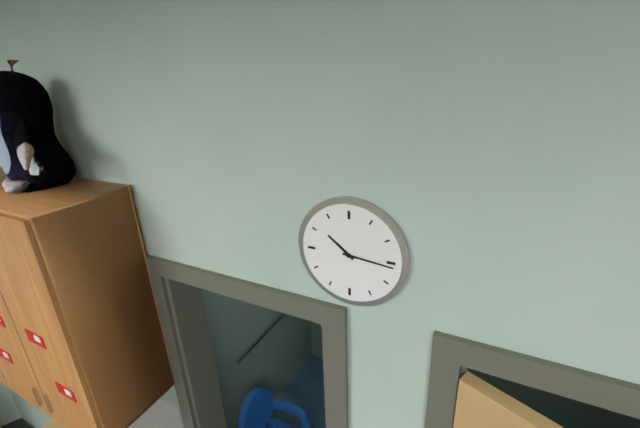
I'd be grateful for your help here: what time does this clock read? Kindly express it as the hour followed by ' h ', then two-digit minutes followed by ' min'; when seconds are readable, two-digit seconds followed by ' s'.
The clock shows 10 h 16 min
